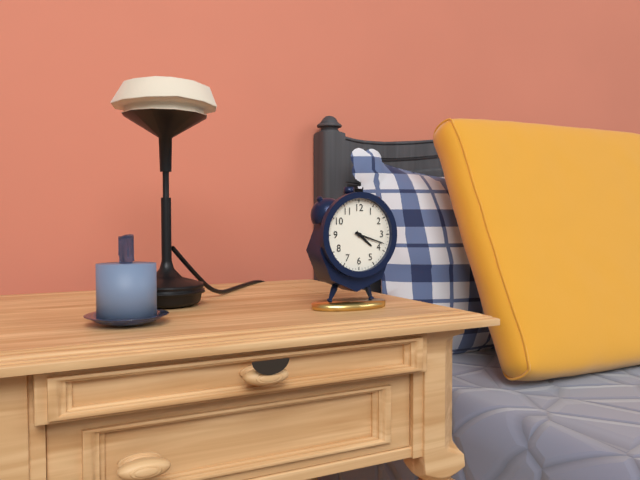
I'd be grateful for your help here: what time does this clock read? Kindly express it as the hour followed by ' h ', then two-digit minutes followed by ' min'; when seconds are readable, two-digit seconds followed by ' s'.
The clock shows 4 h 18 min
